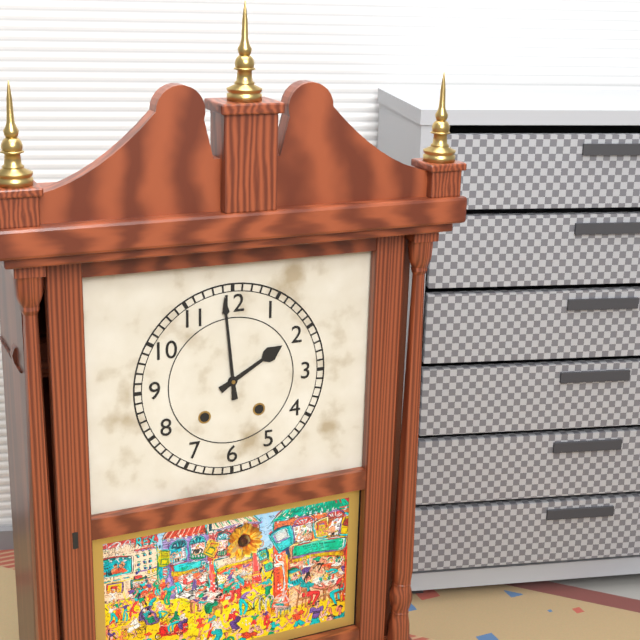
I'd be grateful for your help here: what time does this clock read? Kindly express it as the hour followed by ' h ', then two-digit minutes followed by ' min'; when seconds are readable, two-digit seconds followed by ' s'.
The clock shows 1 h 59 min
